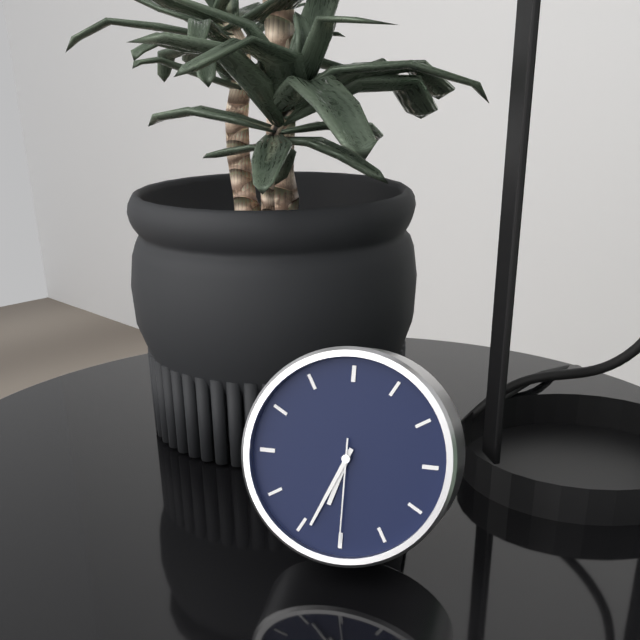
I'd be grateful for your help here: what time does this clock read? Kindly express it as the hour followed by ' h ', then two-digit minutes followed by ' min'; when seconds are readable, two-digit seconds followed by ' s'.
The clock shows 6 h 34 min 30 s
